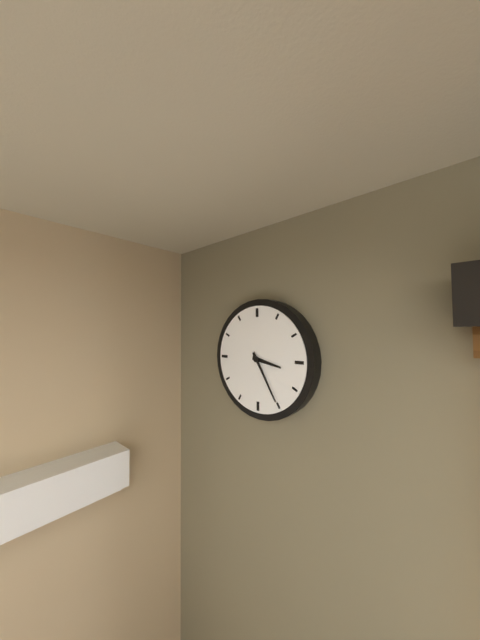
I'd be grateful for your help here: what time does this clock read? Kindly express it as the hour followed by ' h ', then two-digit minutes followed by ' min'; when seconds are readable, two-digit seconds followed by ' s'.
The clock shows 3 h 25 min
